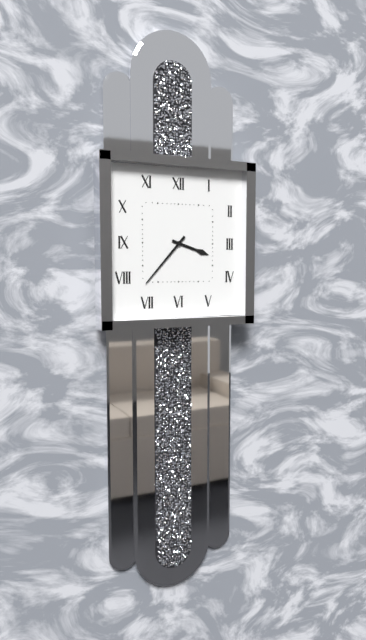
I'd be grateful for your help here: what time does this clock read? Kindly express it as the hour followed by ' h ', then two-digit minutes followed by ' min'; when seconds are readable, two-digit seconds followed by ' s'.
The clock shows 3 h 37 min
